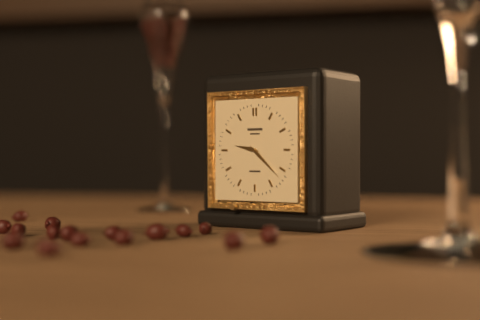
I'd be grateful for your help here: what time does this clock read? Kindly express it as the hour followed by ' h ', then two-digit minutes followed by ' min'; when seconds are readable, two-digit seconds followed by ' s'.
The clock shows 9 h 22 min
